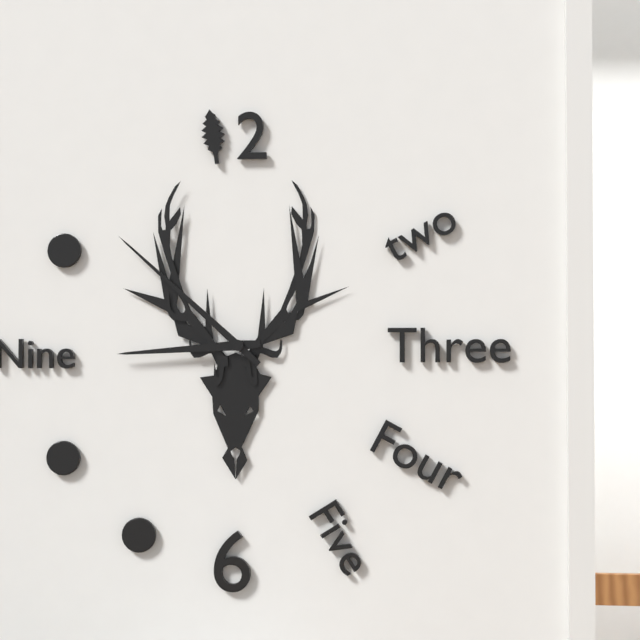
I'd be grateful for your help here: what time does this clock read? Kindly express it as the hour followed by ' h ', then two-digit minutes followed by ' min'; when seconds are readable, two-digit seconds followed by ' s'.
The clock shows 8 h 52 min
